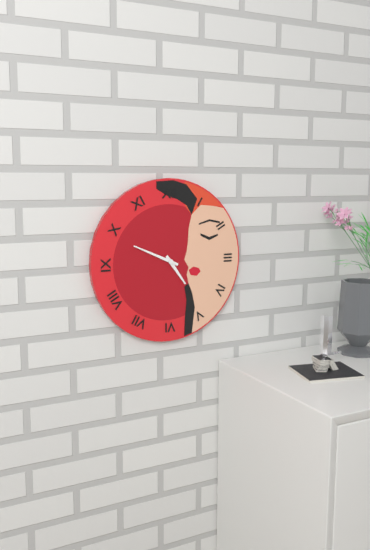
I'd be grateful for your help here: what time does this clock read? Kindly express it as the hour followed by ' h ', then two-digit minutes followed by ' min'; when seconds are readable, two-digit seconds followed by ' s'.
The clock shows 4 h 49 min
